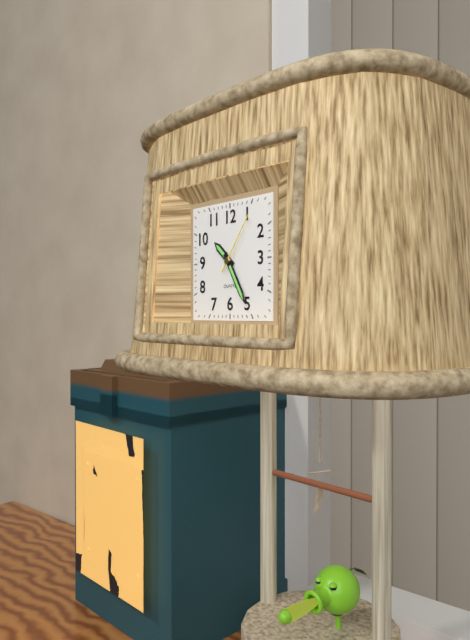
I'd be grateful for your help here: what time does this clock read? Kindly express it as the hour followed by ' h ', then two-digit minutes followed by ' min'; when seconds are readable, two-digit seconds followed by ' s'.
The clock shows 10 h 25 min 06 s
